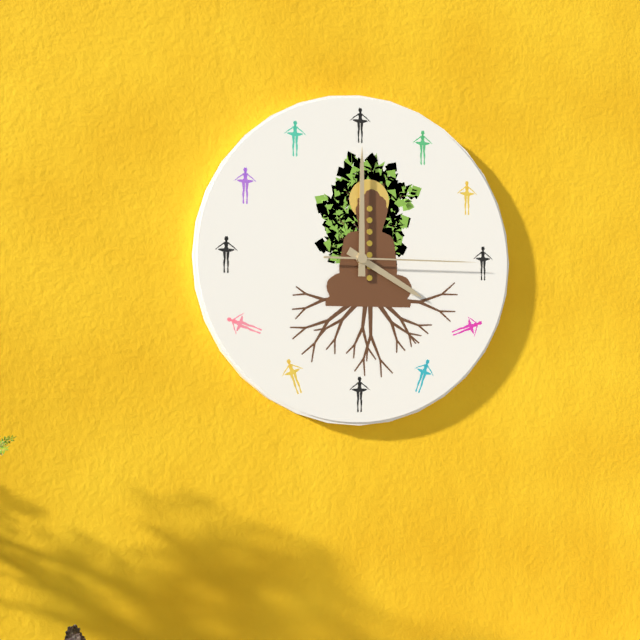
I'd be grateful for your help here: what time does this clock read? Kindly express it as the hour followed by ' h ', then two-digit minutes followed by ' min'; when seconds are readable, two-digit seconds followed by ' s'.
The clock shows 4 h 00 min 15 s
